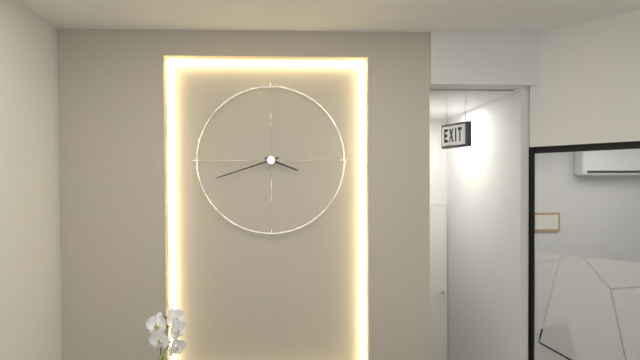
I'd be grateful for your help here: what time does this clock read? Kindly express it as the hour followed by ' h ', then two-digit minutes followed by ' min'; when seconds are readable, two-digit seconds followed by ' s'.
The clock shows 3 h 42 min
